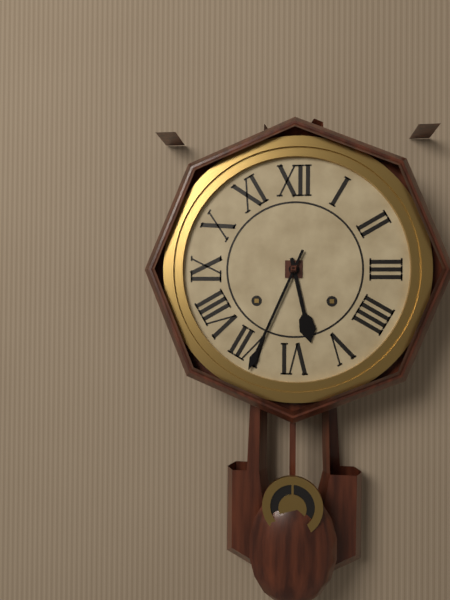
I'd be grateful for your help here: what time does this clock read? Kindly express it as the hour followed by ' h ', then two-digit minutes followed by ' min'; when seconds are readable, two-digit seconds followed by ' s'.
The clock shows 5 h 34 min
